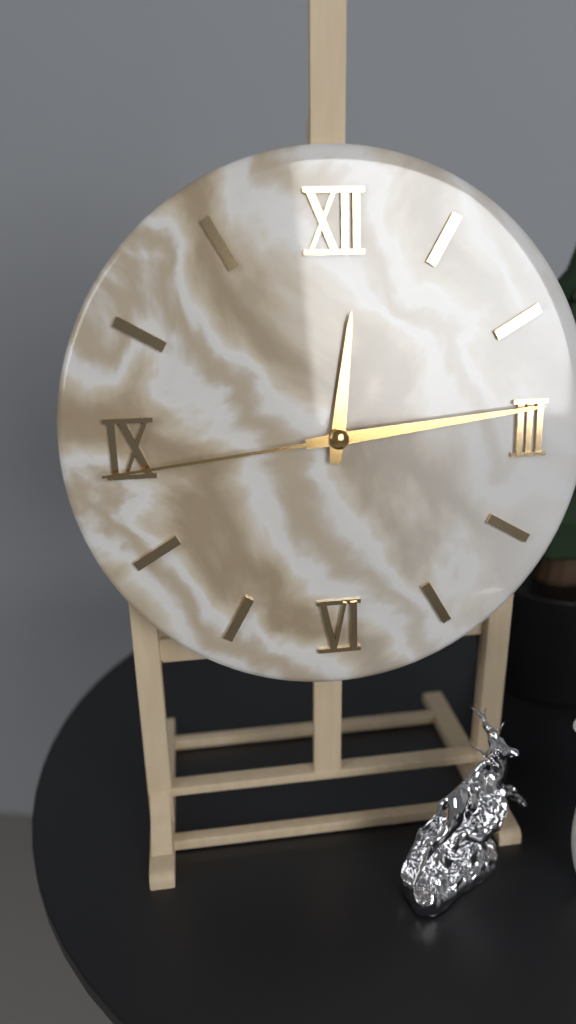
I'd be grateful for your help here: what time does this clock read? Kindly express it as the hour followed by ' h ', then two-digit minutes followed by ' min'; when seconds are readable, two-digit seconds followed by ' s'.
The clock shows 12 h 14 min 44 s
